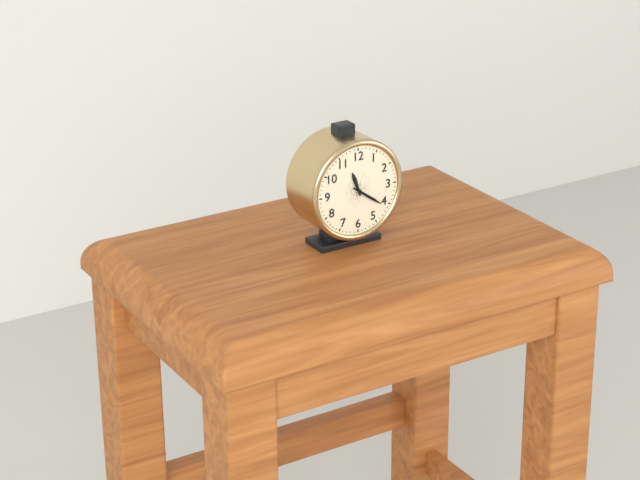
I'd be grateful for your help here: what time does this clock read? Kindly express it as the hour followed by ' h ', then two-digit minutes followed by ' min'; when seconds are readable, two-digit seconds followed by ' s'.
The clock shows 11 h 21 min
